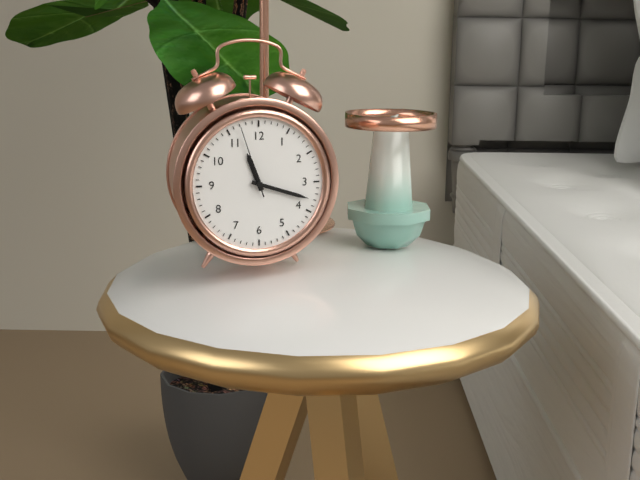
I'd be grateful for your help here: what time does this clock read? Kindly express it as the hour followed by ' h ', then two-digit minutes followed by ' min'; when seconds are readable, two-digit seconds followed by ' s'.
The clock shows 11 h 18 min 57 s
